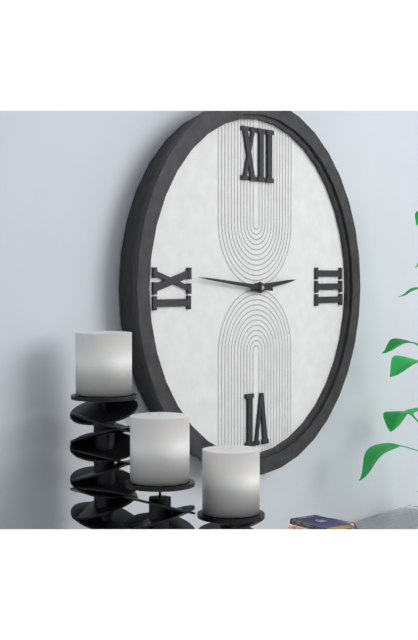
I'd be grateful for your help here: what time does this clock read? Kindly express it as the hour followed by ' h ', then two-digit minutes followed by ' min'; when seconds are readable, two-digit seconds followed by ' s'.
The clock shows 2 h 46 min
